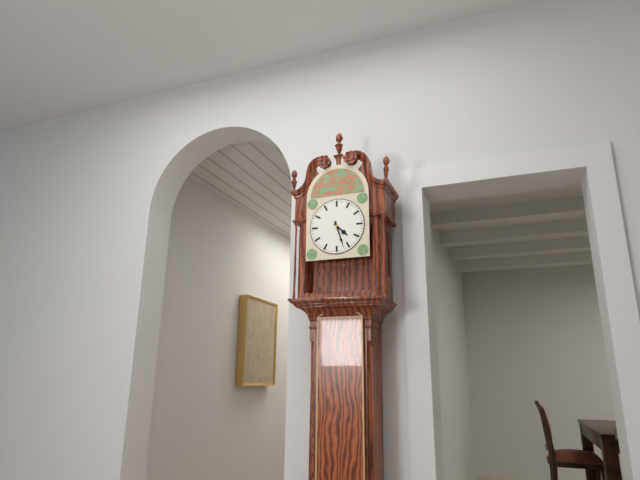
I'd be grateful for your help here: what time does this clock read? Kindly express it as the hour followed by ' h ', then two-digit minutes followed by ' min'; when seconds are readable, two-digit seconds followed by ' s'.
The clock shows 4 h 27 min
